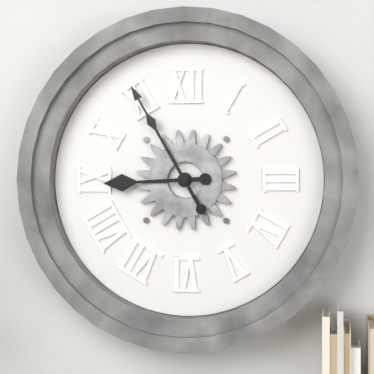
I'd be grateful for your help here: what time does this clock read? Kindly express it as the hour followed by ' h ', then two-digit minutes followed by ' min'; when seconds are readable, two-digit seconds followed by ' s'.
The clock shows 8 h 55 min
